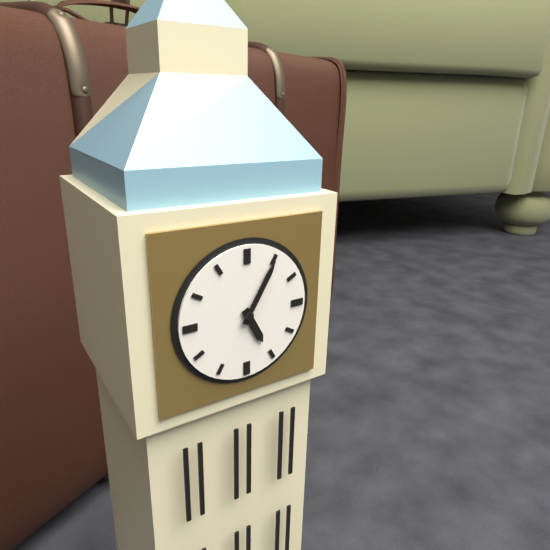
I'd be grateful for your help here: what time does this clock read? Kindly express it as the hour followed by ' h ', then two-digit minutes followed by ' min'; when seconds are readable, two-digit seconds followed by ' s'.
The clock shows 5 h 05 min
